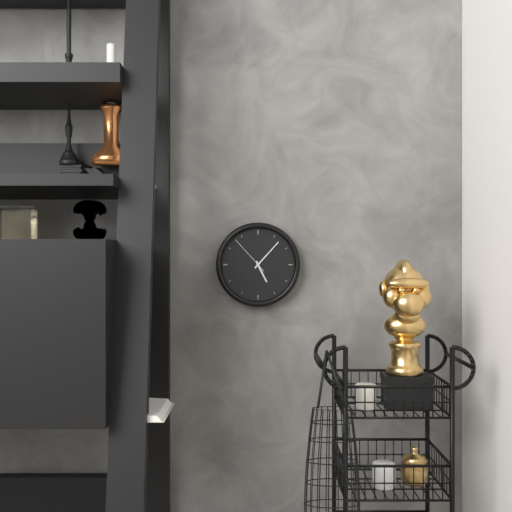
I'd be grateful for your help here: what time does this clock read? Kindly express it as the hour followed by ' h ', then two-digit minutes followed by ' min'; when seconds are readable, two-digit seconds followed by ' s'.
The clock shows 5 h 07 min
